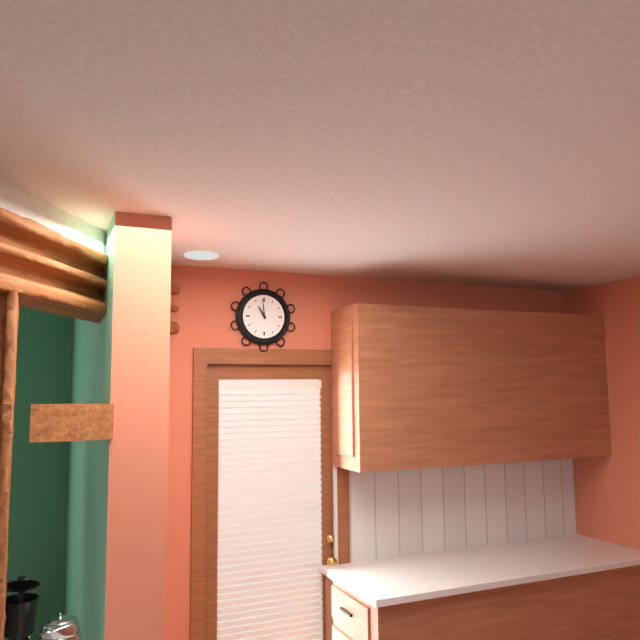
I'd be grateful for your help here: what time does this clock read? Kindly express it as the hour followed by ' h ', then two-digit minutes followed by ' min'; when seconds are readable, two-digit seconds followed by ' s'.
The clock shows 10 h 59 min
